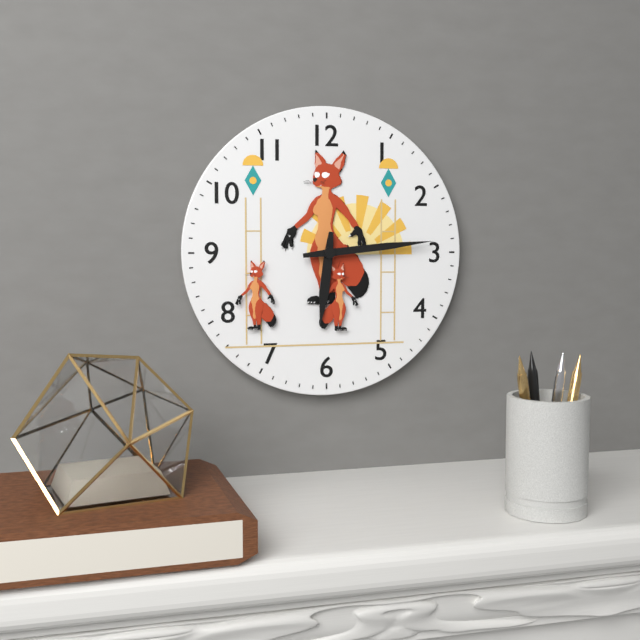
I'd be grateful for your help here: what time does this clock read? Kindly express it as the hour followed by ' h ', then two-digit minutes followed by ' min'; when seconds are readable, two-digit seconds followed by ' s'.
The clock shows 6 h 14 min
